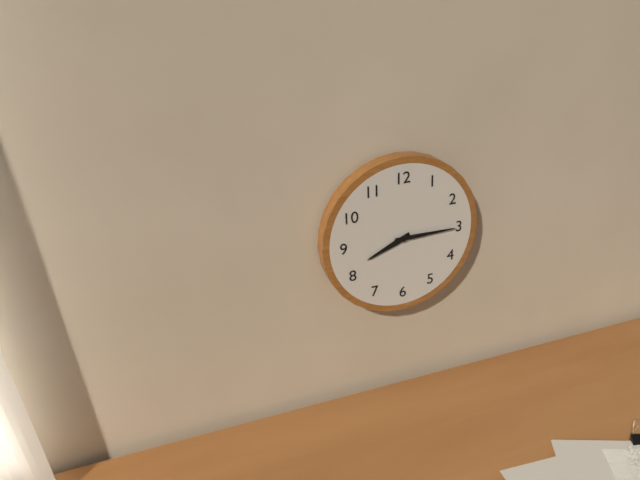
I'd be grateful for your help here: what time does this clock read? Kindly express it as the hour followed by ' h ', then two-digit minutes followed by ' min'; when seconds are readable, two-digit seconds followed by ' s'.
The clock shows 8 h 15 min
